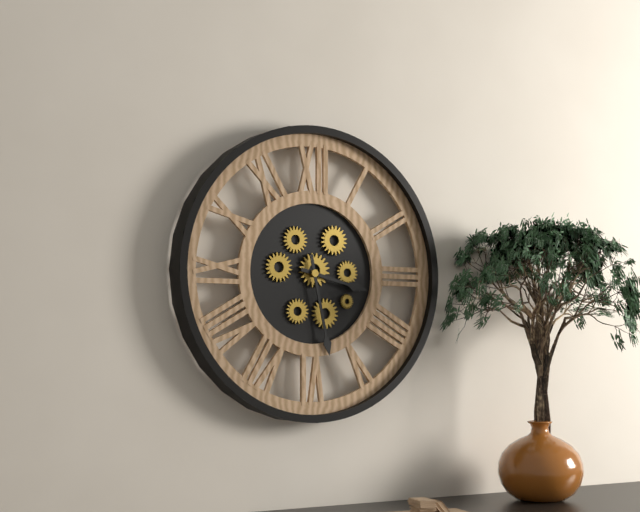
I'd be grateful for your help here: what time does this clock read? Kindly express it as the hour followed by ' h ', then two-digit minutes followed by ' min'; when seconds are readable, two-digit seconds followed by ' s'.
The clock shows 3 h 28 min
